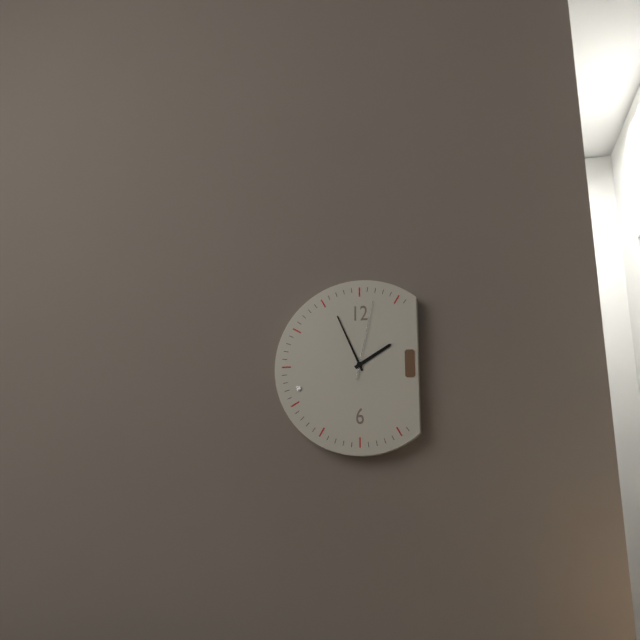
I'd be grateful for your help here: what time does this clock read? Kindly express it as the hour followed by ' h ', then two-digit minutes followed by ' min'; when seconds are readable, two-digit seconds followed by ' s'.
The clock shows 1 h 56 min 02 s
